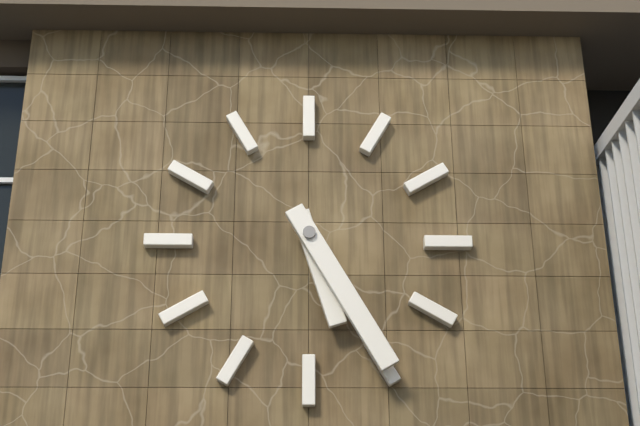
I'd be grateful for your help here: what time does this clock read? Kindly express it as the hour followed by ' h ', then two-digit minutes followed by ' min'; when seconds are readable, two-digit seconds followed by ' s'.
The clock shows 5 h 25 min
